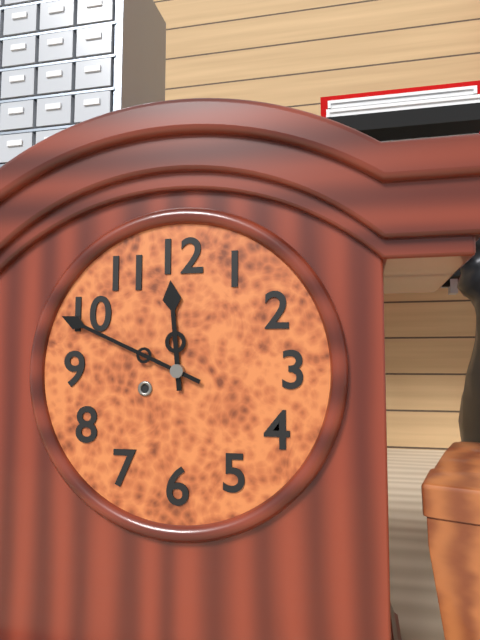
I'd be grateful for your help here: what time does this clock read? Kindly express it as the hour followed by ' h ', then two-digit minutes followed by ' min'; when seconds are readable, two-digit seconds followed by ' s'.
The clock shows 11 h 49 min
